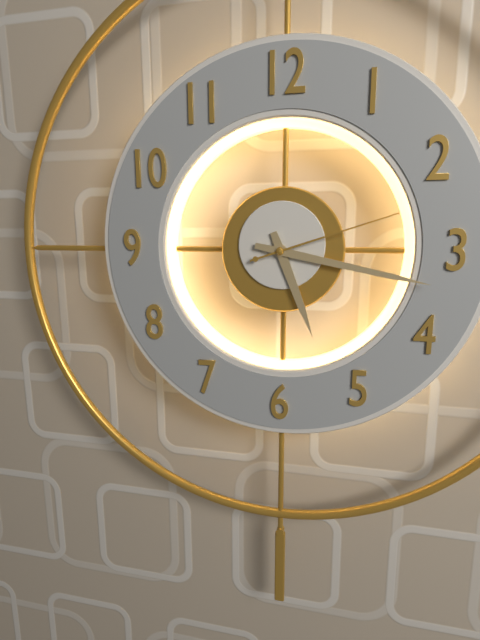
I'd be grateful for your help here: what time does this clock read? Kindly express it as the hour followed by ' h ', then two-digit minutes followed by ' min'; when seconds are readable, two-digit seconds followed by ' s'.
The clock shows 5 h 17 min 12 s
